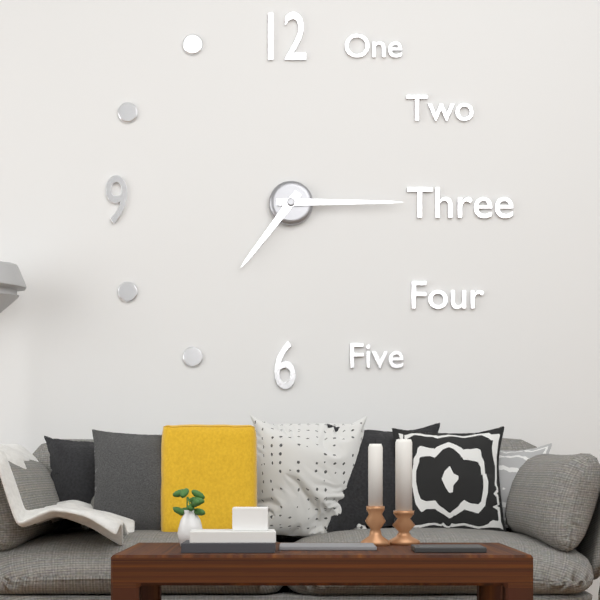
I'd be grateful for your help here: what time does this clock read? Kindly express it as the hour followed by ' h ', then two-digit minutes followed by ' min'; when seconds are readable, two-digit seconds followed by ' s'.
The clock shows 7 h 15 min
